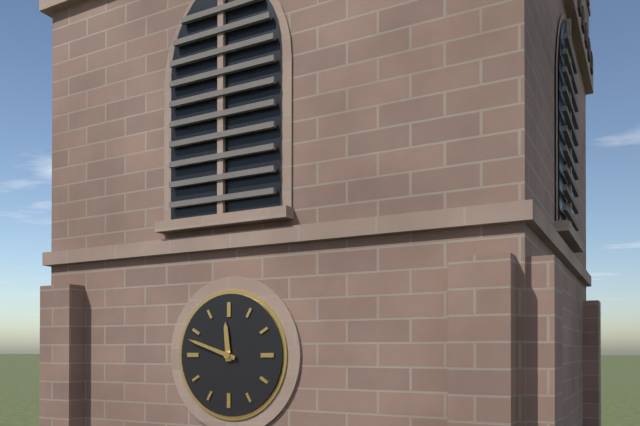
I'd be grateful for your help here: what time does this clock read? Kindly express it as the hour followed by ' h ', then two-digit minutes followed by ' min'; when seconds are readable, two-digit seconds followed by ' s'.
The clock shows 11 h 48 min
